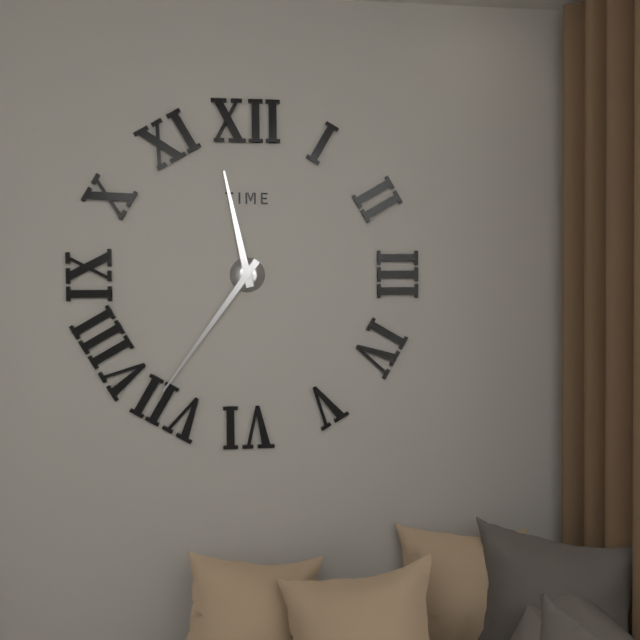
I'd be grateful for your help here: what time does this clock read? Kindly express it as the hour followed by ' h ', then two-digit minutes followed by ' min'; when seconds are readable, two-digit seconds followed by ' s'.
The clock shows 11 h 36 min
